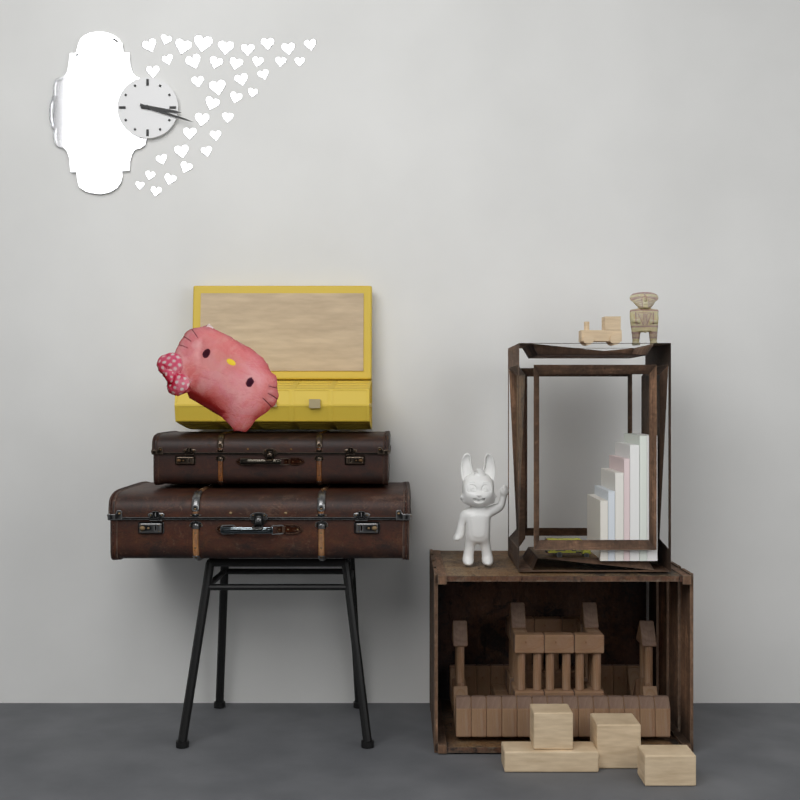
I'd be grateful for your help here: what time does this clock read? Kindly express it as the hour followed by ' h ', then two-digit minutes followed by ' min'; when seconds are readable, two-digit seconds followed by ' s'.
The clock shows 3 h 18 min
